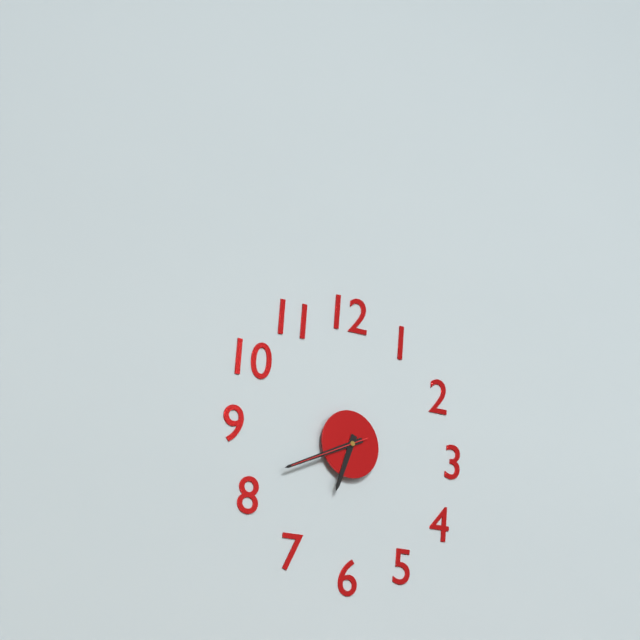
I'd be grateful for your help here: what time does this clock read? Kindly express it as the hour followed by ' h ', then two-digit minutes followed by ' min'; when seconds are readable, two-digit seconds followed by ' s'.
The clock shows 6 h 41 min 41 s
